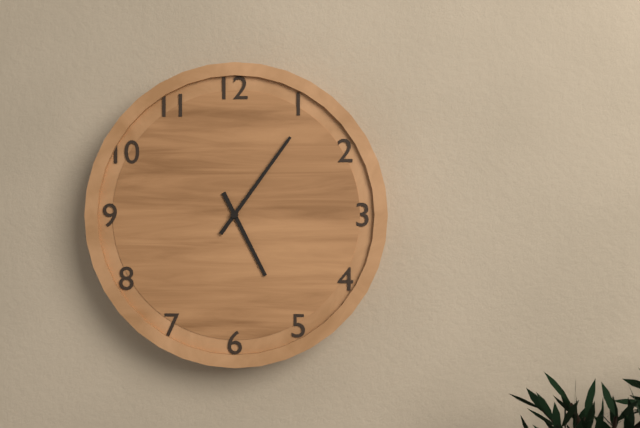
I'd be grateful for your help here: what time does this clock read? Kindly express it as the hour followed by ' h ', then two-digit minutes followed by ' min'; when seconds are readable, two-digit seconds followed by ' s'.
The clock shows 5 h 06 min
